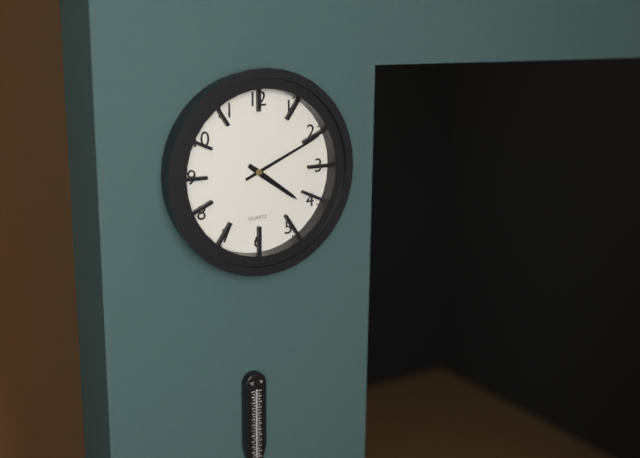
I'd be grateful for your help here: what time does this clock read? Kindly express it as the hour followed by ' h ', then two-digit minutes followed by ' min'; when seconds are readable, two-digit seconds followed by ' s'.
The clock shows 4 h 11 min
